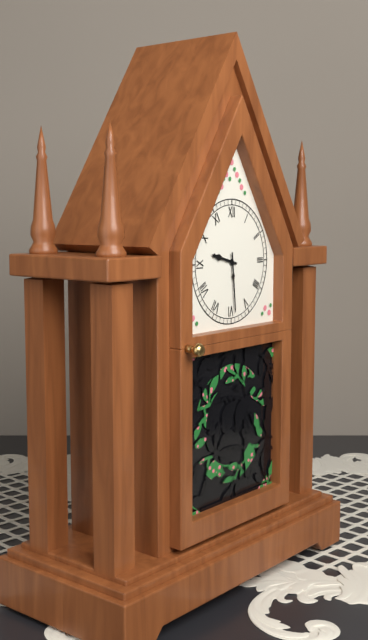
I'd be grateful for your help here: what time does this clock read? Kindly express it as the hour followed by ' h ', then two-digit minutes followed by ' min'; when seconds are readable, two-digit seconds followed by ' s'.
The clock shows 9 h 29 min
